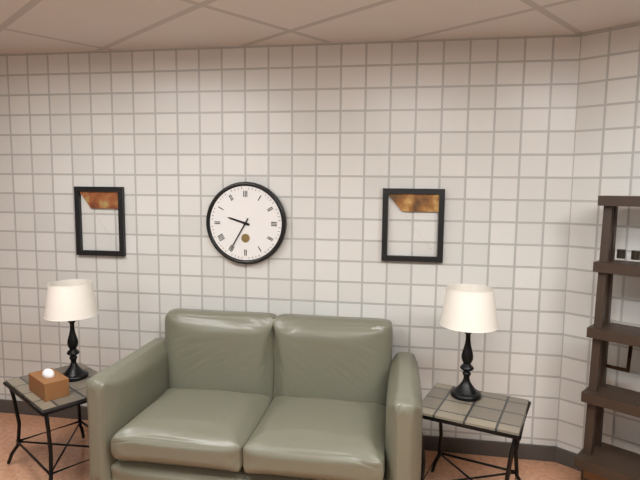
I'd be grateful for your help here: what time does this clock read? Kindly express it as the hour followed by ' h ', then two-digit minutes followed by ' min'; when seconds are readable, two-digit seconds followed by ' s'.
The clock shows 9 h 35 min
